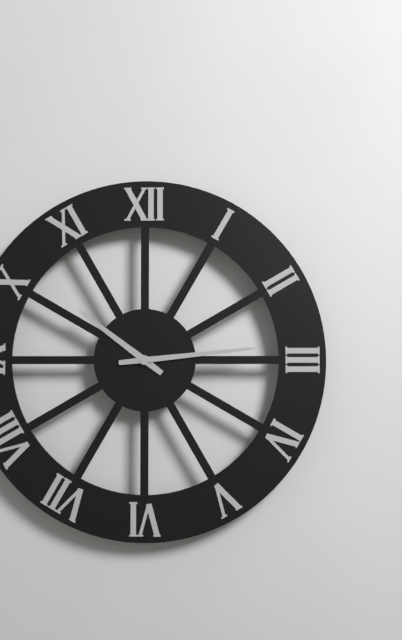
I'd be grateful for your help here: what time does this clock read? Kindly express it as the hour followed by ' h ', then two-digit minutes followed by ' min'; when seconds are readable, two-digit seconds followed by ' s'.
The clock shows 10 h 14 min
